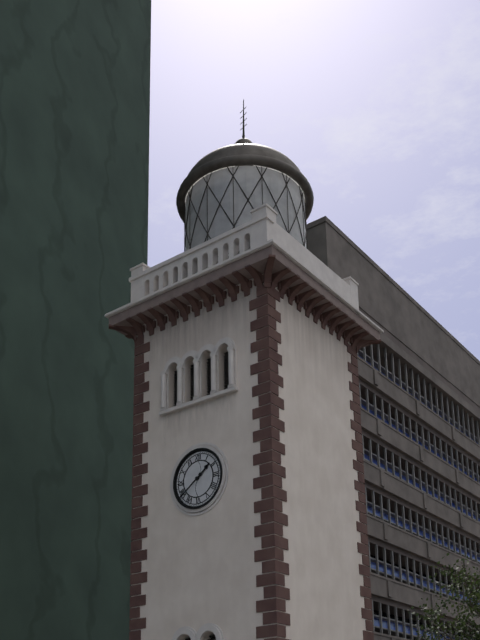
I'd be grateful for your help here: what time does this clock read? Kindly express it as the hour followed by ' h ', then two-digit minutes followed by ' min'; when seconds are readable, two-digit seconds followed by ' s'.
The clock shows 1 h 39 min
